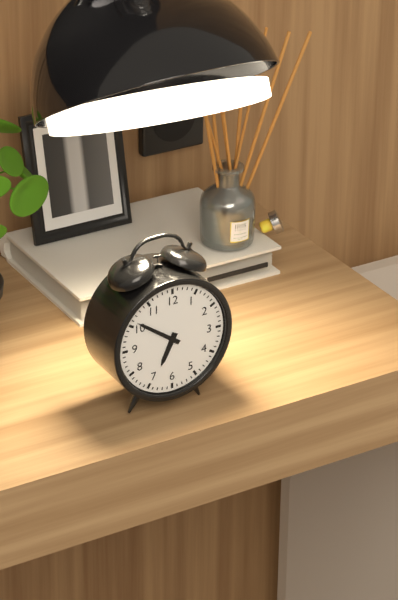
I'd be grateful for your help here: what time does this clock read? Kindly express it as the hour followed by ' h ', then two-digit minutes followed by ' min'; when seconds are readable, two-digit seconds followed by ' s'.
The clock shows 6 h 51 min
